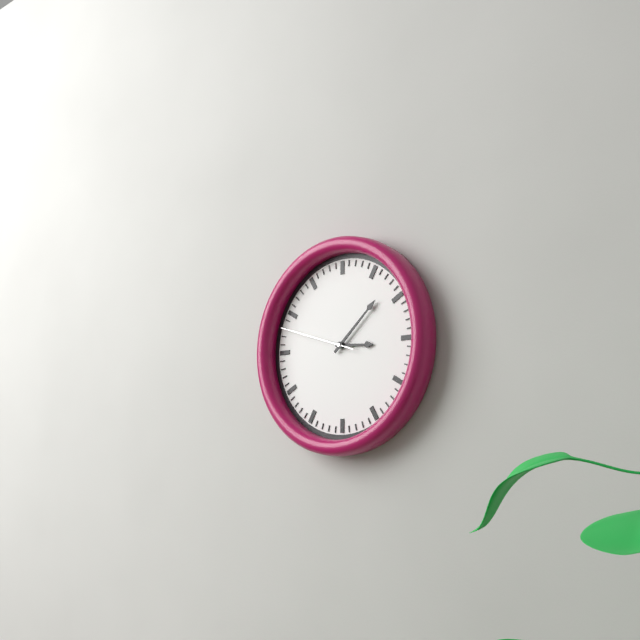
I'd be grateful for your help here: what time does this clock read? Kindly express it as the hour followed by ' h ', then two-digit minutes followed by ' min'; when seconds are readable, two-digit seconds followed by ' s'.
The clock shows 3 h 08 min 48 s
